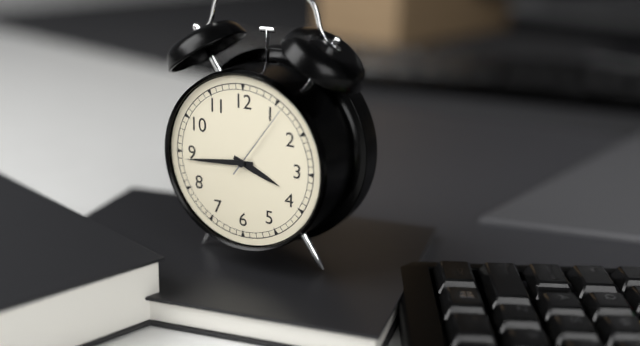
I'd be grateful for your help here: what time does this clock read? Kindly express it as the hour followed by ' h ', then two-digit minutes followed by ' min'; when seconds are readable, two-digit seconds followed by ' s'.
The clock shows 3 h 44 min 06 s
